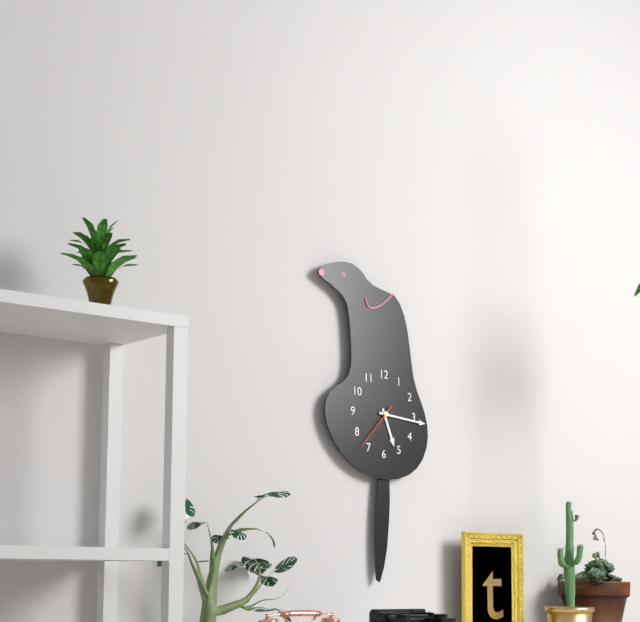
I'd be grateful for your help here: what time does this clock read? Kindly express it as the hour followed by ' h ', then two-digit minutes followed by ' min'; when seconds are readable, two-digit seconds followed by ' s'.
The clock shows 5 h 16 min 37 s
